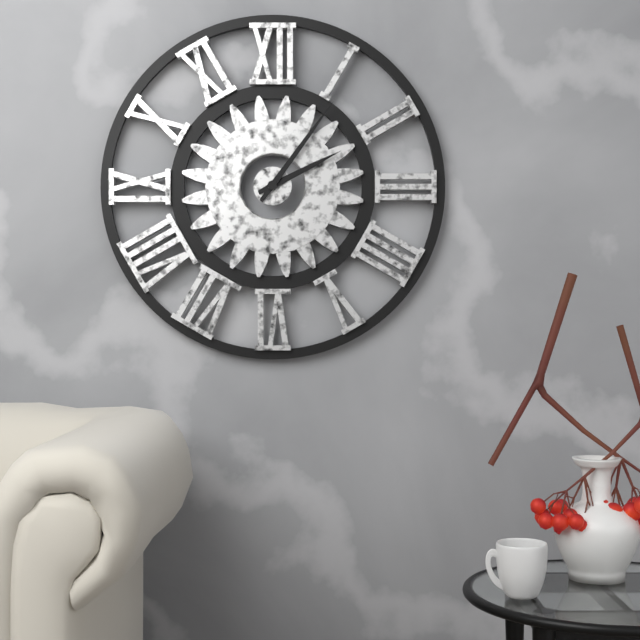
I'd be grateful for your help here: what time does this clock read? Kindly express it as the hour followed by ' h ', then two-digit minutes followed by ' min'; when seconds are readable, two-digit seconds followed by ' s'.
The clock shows 2 h 06 min
